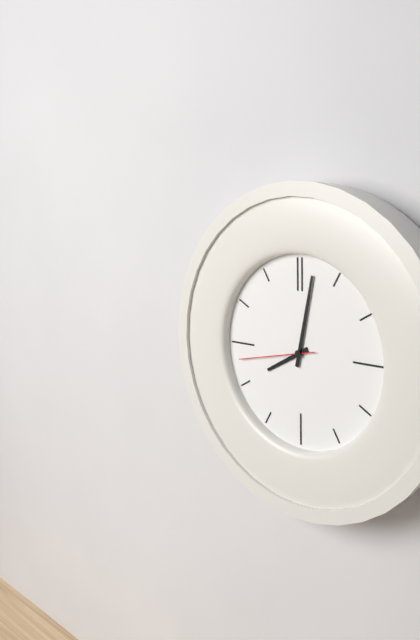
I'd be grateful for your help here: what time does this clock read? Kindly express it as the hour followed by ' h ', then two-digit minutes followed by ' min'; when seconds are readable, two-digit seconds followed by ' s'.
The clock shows 8 h 02 min 43 s
